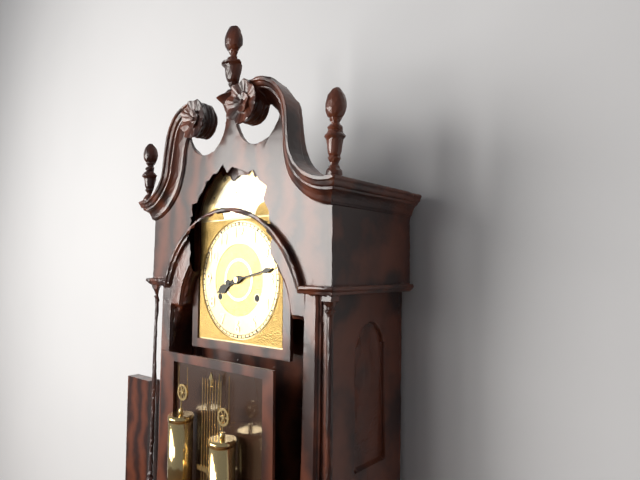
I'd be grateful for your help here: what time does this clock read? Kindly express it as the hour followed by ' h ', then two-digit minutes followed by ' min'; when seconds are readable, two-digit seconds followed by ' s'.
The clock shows 8 h 13 min
